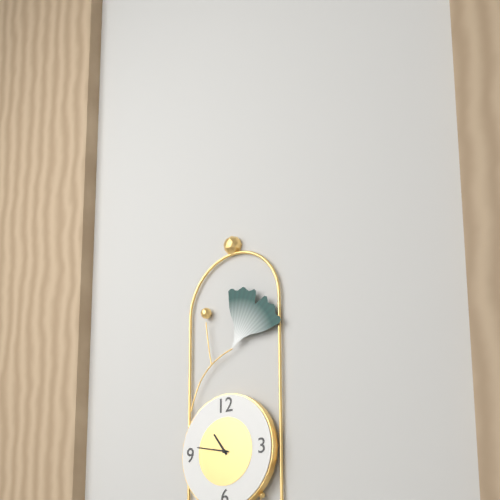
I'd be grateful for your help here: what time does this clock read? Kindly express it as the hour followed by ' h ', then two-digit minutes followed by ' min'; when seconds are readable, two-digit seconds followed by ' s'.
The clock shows 10 h 47 min
